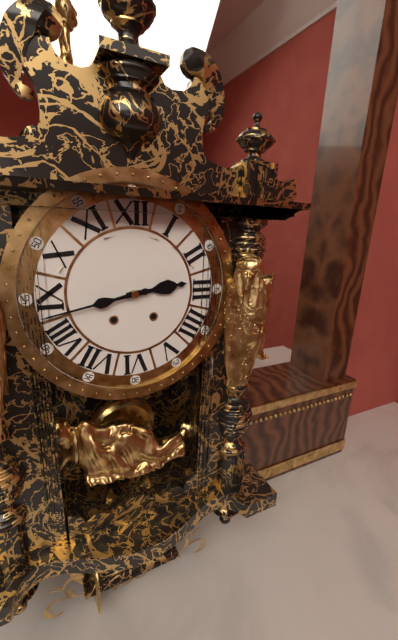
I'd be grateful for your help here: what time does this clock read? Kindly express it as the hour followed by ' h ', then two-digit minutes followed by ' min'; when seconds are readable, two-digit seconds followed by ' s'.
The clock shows 2 h 43 min
